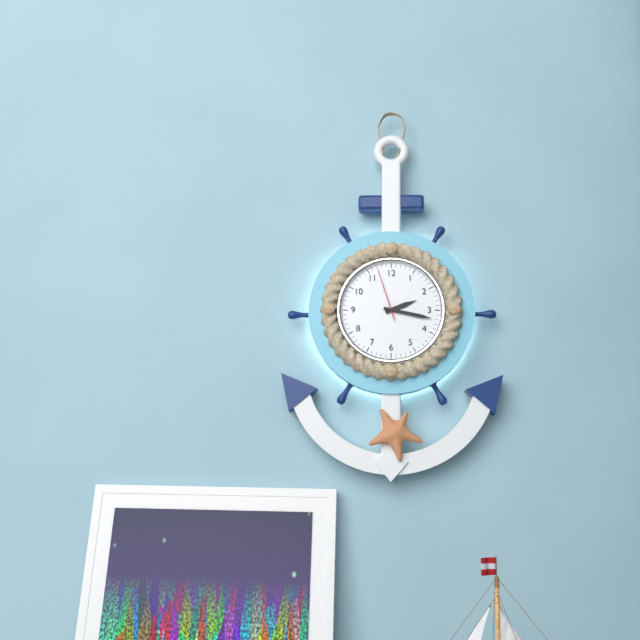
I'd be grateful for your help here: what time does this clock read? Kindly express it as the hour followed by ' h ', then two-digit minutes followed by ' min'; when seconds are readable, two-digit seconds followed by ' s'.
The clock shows 2 h 17 min 57 s
